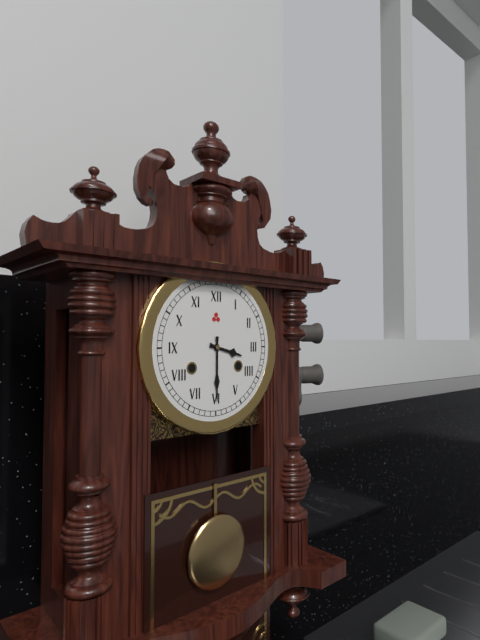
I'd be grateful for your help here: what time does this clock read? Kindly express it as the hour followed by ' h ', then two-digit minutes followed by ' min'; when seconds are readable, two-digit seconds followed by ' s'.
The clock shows 3 h 30 min
